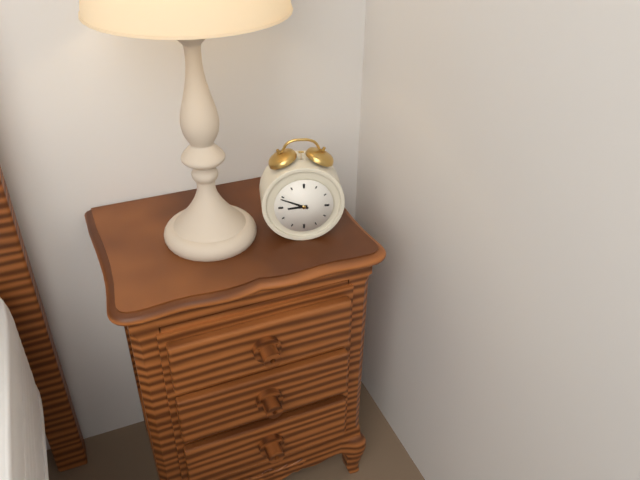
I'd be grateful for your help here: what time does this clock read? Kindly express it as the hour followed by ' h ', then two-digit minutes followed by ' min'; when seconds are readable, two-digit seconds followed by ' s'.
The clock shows 8 h 49 min
